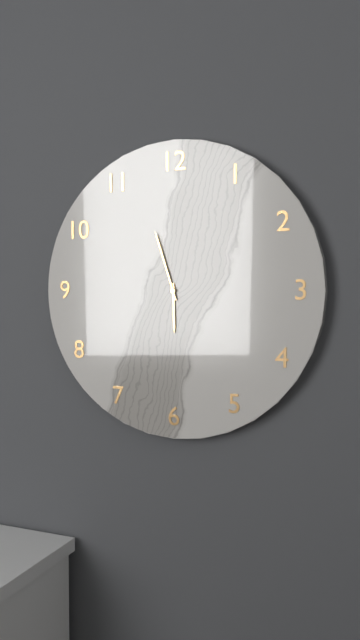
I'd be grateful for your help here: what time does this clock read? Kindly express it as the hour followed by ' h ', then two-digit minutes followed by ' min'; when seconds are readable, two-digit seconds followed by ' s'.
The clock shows 5 h 57 min
